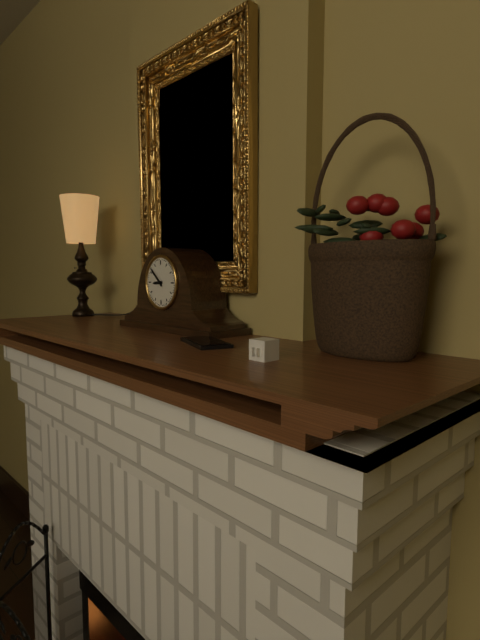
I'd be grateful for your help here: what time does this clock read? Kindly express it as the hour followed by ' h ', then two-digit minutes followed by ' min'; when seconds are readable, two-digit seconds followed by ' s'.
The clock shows 8 h 52 min
